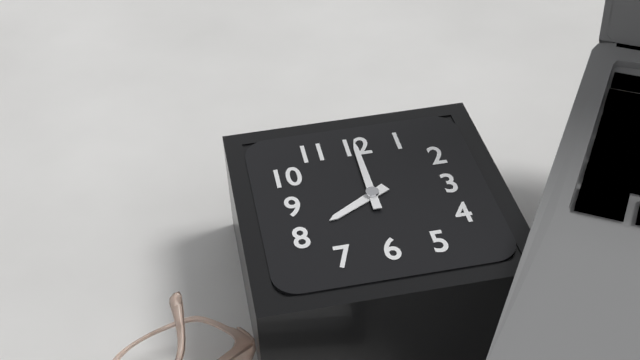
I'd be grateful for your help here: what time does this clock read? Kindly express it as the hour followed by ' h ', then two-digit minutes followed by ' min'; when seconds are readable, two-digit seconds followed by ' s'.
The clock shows 8 h 00 min
